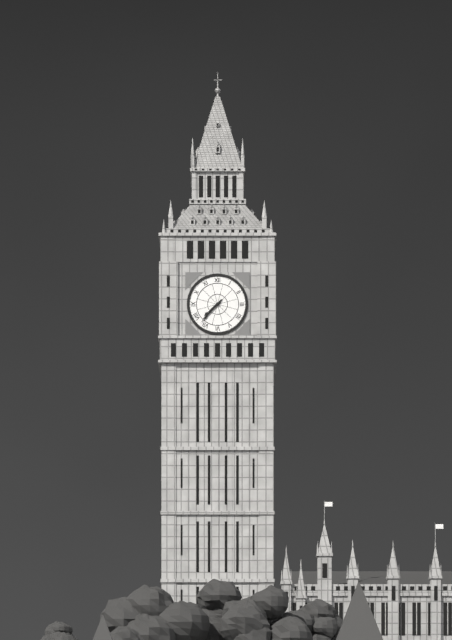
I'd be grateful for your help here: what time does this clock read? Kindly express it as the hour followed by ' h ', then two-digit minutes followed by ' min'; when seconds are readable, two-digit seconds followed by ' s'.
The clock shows 7 h 37 min
